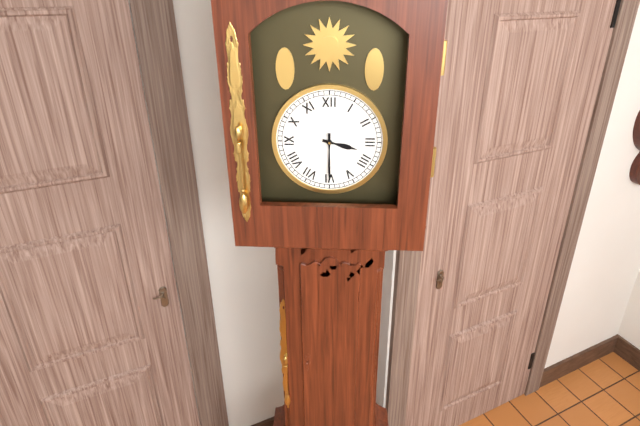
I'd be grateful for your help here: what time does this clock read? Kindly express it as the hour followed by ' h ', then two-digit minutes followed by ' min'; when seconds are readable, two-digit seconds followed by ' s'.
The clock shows 3 h 30 min
